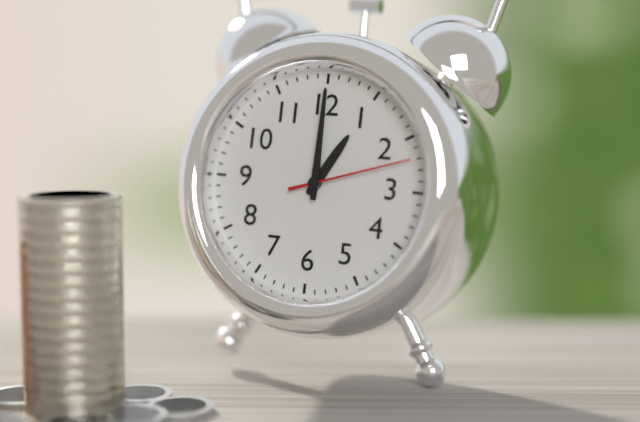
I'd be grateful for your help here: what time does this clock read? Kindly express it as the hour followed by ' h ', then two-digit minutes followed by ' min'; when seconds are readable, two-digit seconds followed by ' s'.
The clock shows 1 h 00 min 12 s
